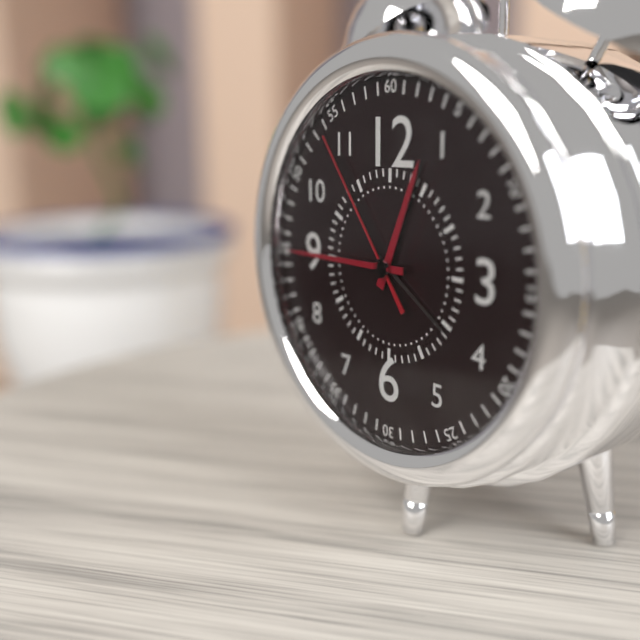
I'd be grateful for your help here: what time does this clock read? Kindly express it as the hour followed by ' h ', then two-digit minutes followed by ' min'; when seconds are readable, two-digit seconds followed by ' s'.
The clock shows 12 h 45 min 54 s
